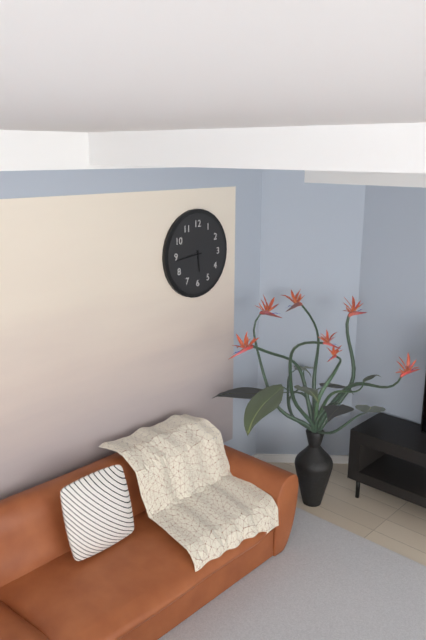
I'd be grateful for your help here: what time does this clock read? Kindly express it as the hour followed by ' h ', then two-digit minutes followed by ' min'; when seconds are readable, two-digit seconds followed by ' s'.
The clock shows 5 h 44 min
